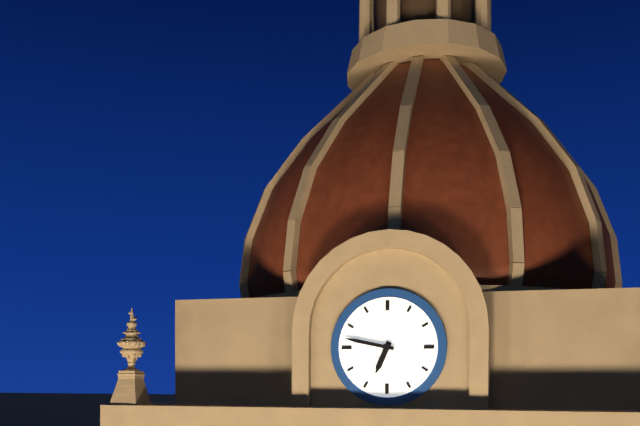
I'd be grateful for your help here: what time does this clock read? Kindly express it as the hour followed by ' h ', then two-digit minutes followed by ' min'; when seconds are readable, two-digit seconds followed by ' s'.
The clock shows 6 h 47 min
